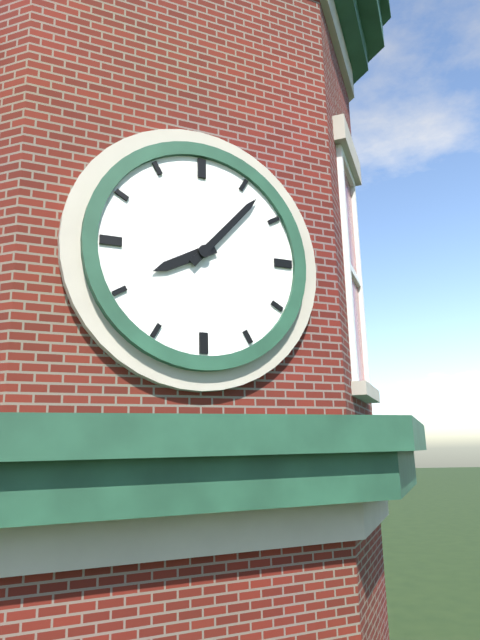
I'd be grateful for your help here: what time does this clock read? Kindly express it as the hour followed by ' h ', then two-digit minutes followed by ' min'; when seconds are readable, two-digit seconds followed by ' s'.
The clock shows 8 h 07 min
